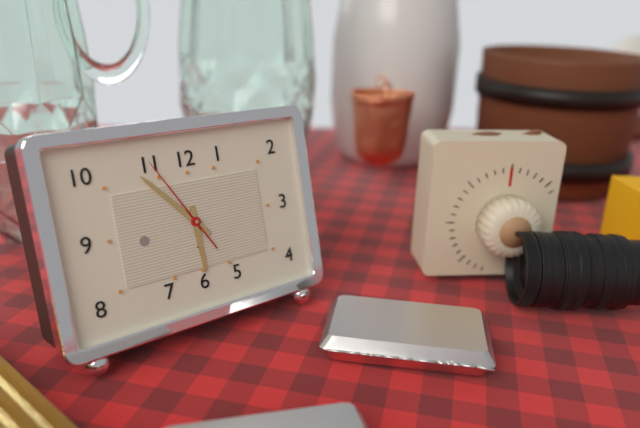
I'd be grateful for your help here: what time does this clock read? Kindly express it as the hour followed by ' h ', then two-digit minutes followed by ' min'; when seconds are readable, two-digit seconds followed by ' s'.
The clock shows 5 h 53 min 55 s
